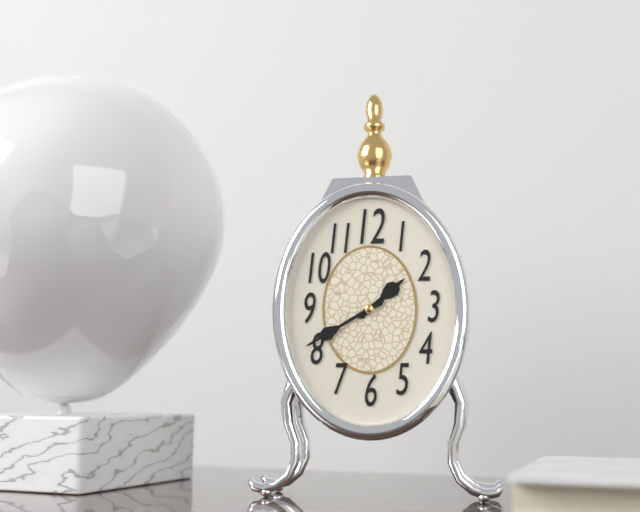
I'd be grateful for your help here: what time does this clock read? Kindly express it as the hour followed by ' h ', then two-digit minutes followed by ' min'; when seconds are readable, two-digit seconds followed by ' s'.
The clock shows 1 h 40 min
